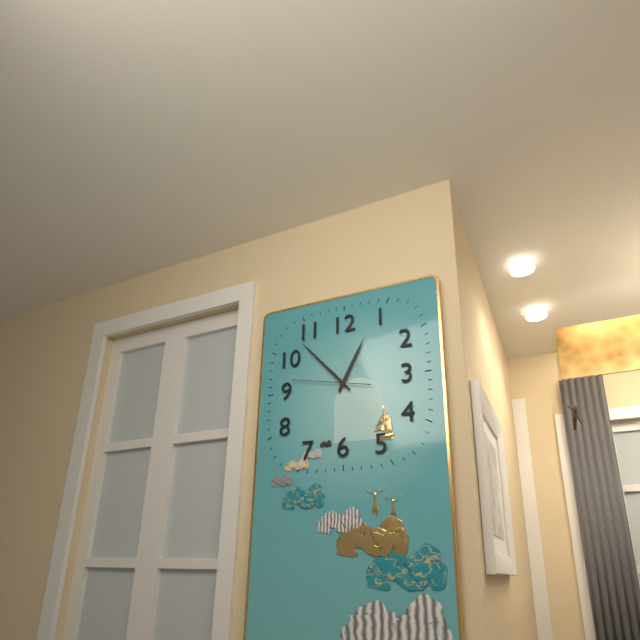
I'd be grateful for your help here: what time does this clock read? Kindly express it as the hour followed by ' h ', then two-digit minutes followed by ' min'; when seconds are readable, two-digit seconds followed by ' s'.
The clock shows 12 h 53 min 47 s
